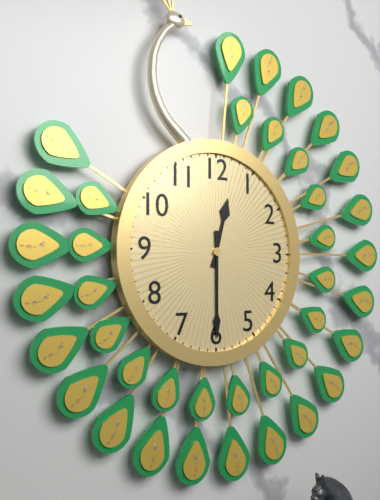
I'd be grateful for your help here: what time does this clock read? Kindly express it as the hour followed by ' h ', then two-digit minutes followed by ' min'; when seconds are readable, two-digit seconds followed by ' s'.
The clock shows 12 h 30 min
